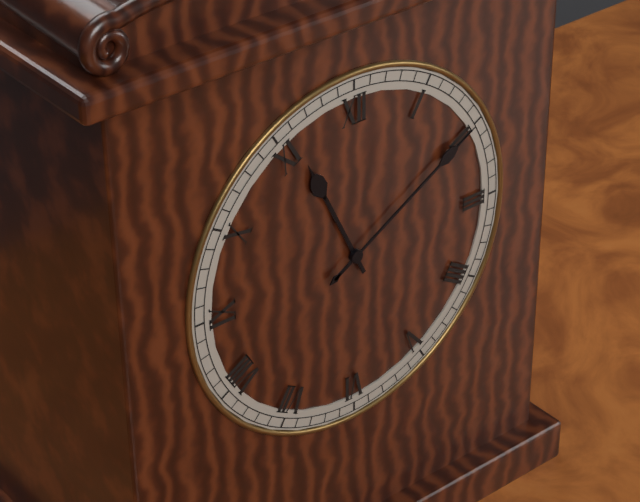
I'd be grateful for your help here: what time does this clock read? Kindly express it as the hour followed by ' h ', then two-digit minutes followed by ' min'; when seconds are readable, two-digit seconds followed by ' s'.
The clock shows 11 h 10 min
